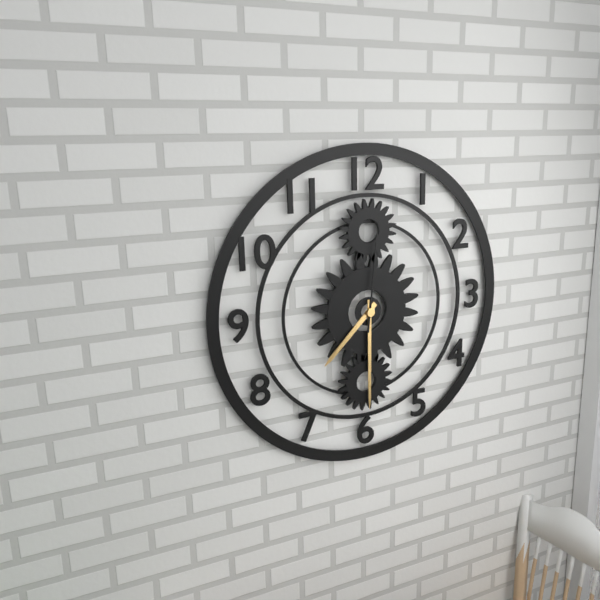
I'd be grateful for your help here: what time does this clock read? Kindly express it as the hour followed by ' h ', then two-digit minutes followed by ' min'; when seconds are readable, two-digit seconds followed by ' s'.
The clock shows 7 h 30 min 01 s
